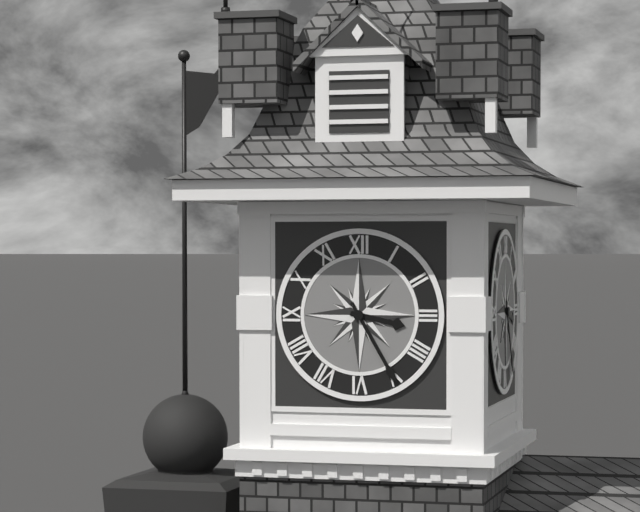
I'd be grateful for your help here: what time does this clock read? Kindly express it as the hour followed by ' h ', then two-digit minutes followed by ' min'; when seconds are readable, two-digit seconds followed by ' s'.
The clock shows 3 h 25 min
